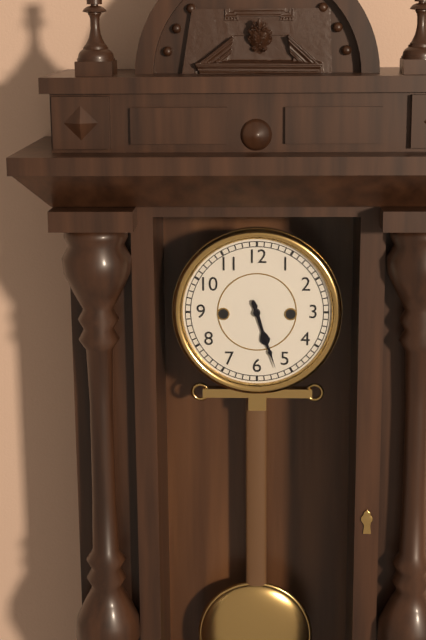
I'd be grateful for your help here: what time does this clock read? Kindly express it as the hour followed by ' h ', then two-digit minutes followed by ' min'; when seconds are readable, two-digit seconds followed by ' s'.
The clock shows 5 h 27 min
